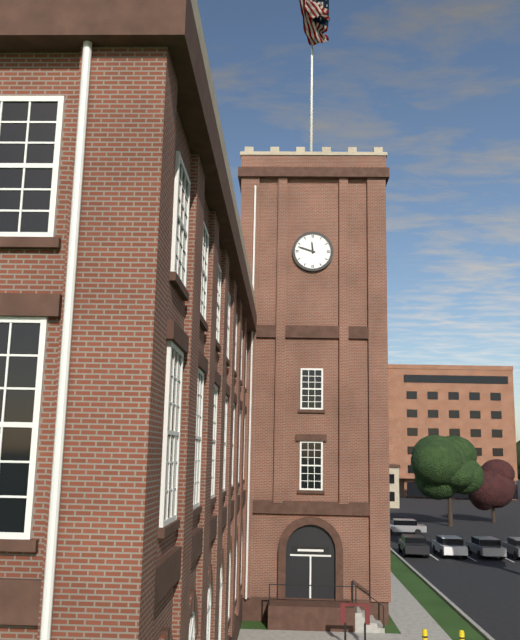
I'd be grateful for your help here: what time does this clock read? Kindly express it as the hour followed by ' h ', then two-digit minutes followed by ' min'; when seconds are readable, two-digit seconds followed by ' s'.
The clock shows 11 h 48 min
